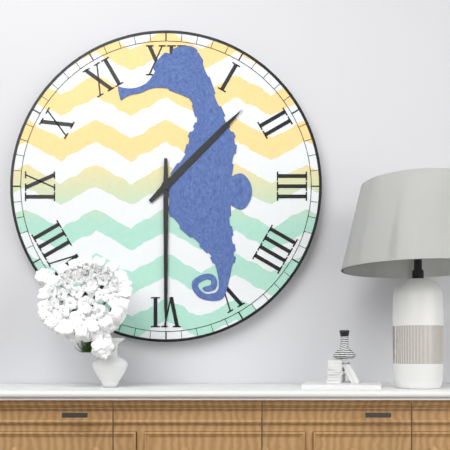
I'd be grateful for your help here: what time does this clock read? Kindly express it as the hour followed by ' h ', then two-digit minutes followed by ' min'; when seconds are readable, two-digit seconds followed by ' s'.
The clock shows 1 h 30 min
